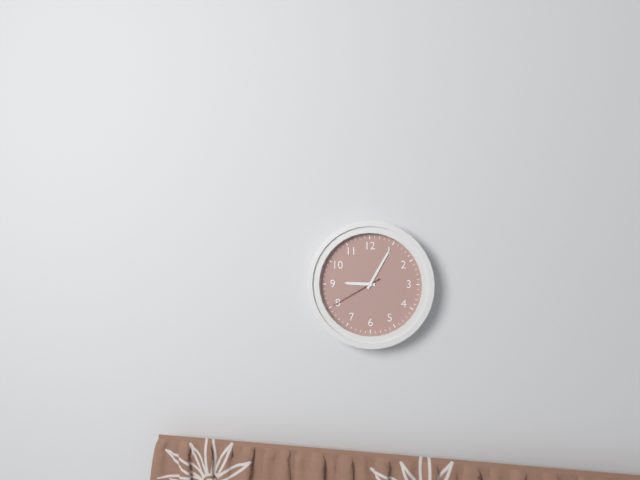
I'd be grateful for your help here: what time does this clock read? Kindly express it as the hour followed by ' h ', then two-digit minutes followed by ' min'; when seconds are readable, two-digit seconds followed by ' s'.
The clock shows 9 h 05 min 40 s
